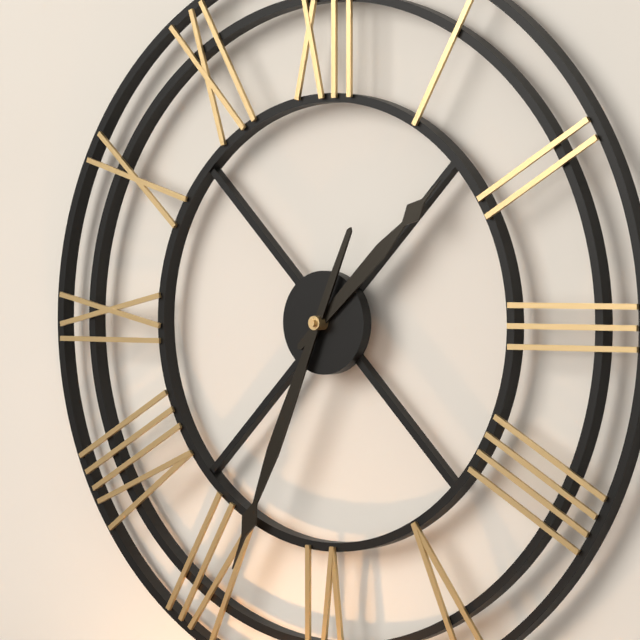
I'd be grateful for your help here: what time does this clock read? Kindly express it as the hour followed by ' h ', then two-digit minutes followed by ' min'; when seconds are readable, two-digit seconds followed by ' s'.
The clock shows 1 h 34 min
